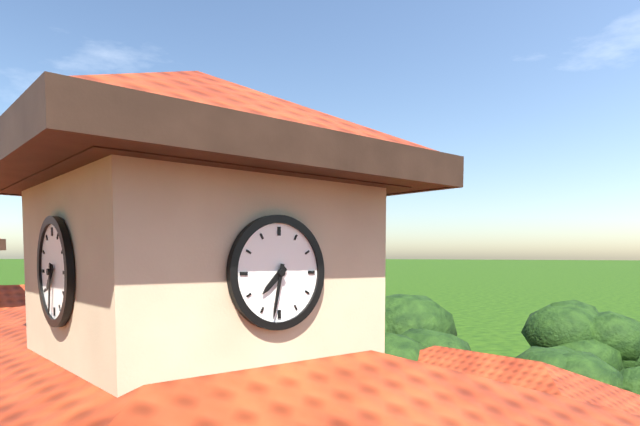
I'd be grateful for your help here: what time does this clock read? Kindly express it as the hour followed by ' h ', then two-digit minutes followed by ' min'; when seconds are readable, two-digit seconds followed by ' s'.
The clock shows 7 h 32 min
